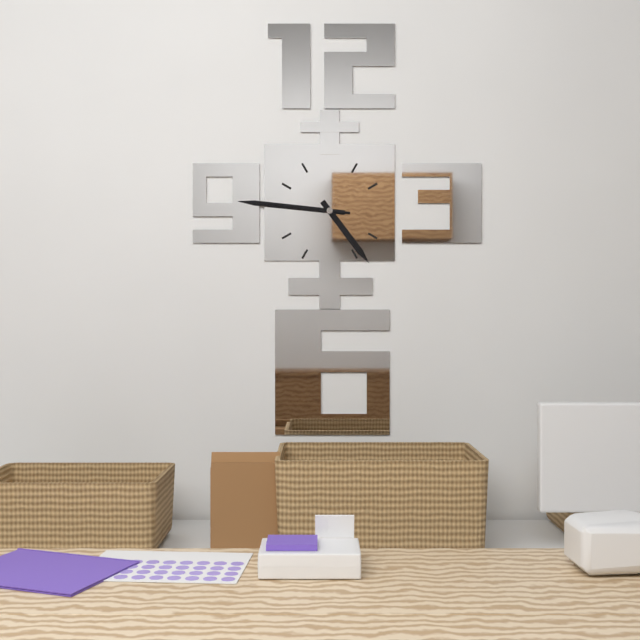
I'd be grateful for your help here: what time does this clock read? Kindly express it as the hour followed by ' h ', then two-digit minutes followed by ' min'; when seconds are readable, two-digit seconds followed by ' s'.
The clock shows 4 h 46 min 46 s
